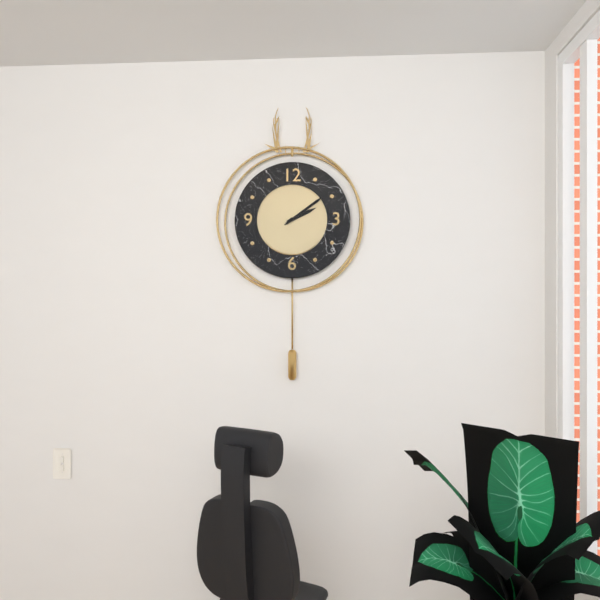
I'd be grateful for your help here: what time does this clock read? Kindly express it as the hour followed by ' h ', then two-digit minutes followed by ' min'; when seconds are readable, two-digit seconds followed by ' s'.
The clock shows 2 h 09 min
